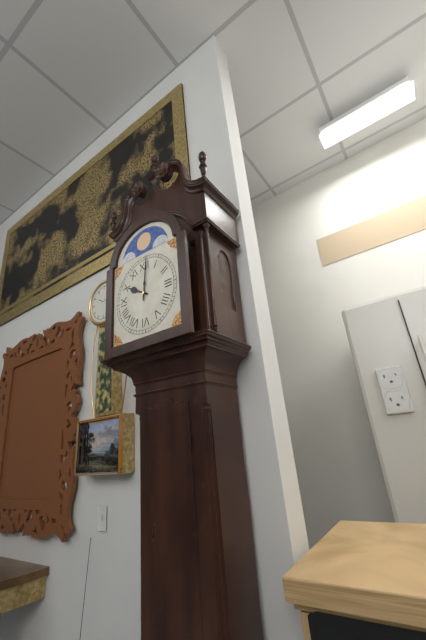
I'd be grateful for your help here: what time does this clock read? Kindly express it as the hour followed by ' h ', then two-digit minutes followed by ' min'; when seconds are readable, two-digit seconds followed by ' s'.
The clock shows 10 h 01 min
